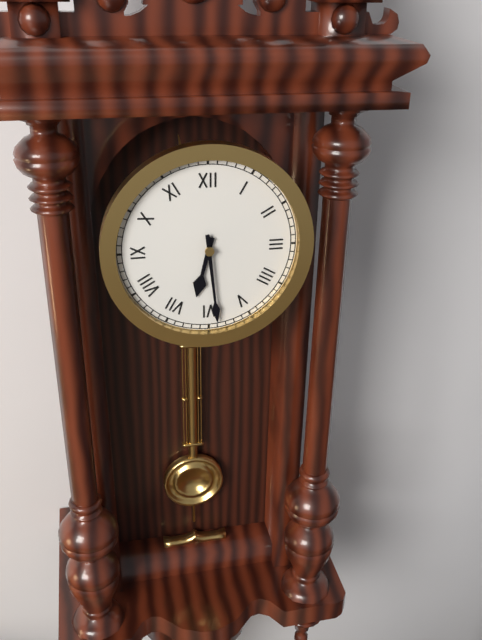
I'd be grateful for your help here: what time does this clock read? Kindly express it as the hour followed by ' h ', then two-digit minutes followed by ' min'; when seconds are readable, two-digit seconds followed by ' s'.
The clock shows 6 h 29 min
